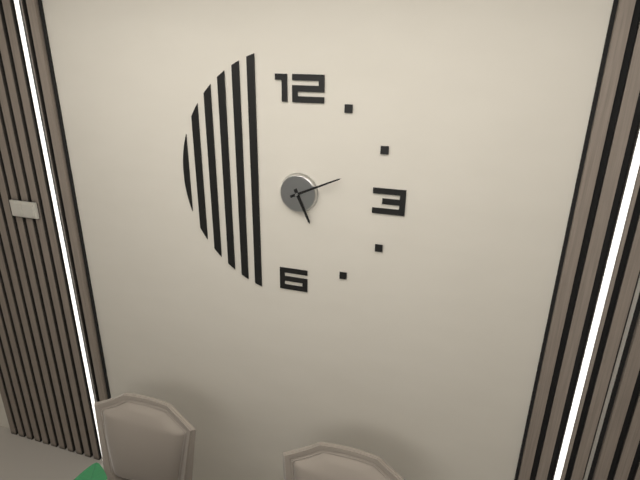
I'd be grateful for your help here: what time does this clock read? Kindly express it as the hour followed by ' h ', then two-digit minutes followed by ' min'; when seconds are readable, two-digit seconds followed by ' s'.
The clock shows 5 h 11 min
